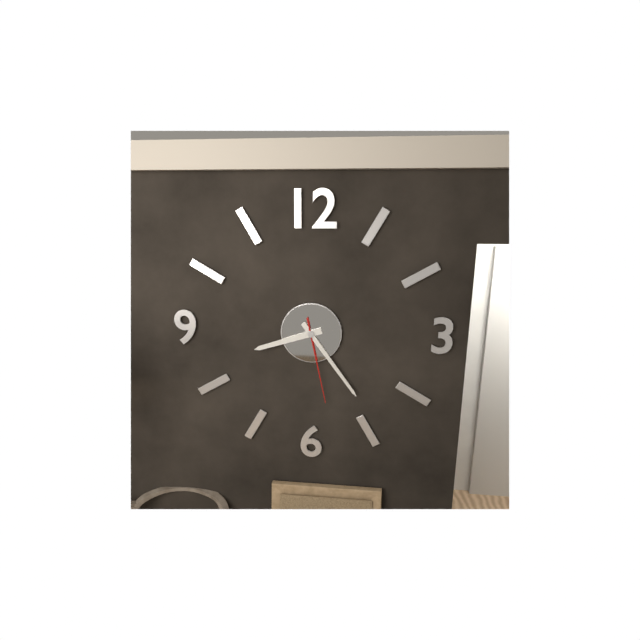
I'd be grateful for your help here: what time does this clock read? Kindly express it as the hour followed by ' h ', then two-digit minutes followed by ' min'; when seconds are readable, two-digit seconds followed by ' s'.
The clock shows 8 h 24 min 28 s
